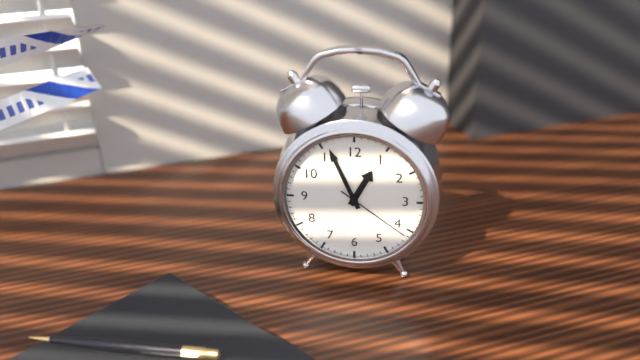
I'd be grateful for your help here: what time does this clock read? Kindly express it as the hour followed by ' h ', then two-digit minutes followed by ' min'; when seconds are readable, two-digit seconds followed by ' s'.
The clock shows 12 h 56 min 21 s
